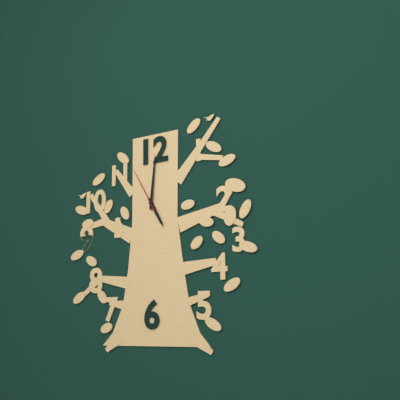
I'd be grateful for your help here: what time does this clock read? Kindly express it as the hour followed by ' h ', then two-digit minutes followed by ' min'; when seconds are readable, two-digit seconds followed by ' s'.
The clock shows 5 h 01 min
